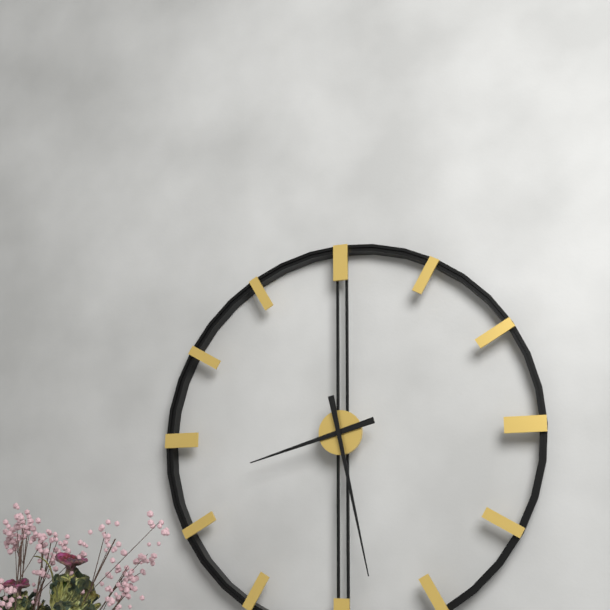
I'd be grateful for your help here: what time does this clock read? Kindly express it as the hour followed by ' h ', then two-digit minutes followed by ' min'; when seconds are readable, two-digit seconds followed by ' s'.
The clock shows 8 h 28 min
